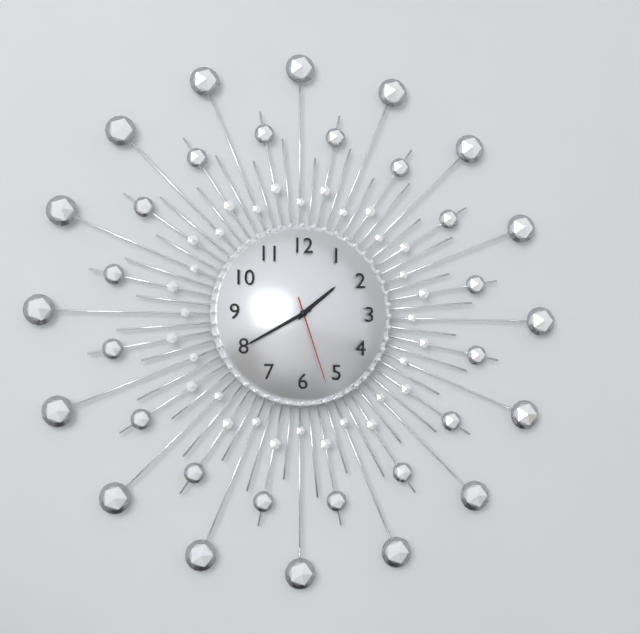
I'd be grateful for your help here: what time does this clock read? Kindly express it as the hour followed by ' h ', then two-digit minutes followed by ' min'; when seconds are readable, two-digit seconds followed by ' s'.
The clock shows 1 h 40 min 27 s
